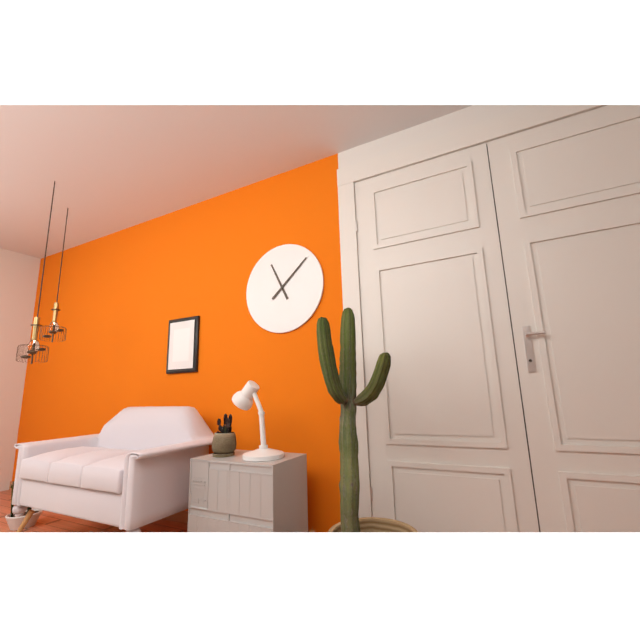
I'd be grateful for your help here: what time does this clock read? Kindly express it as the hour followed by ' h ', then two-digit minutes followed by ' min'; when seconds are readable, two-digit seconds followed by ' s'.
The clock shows 11 h 08 min
